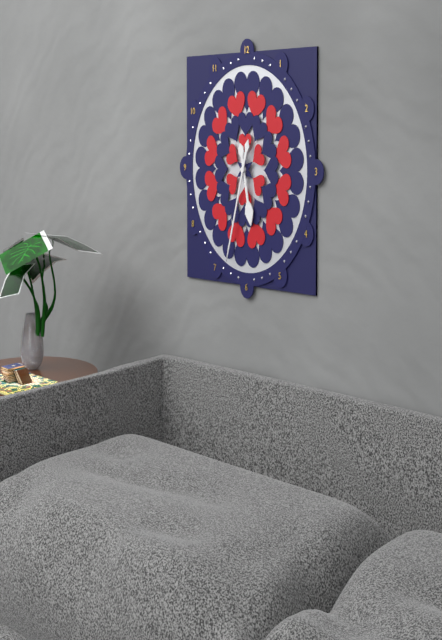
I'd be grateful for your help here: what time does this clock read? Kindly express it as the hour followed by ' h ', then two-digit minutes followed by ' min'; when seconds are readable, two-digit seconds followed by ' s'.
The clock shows 5 h 33 min
